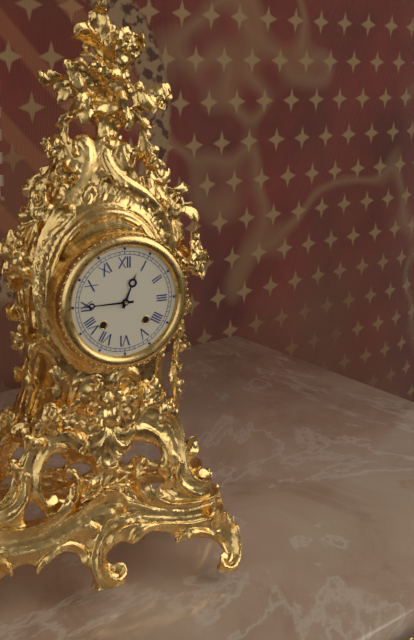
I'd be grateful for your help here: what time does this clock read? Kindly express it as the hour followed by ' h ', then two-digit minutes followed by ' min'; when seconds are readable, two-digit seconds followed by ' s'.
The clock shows 12 h 45 min
